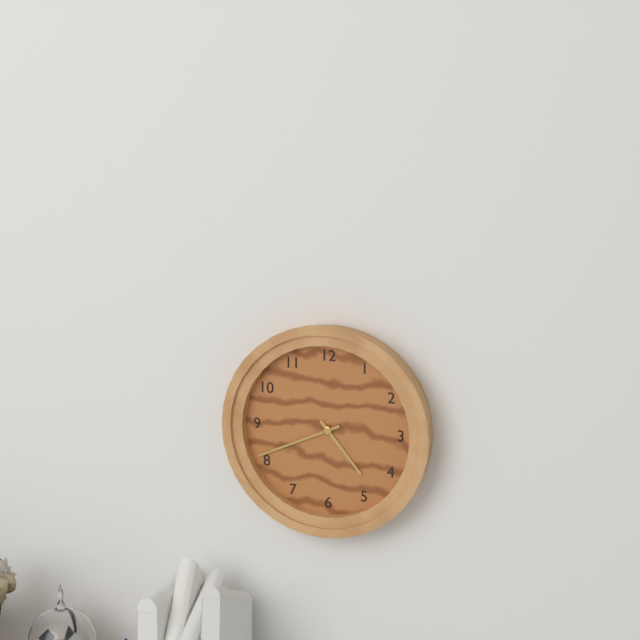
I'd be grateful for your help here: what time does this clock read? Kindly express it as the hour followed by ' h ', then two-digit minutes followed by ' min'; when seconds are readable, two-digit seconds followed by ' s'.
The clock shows 4 h 41 min
